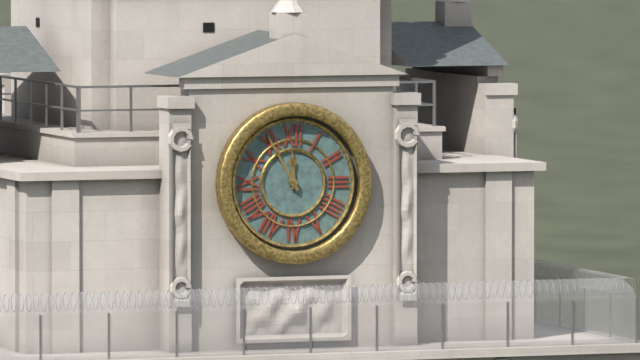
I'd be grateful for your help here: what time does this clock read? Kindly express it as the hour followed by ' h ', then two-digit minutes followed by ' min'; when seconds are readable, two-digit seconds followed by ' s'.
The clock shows 11 h 55 min
